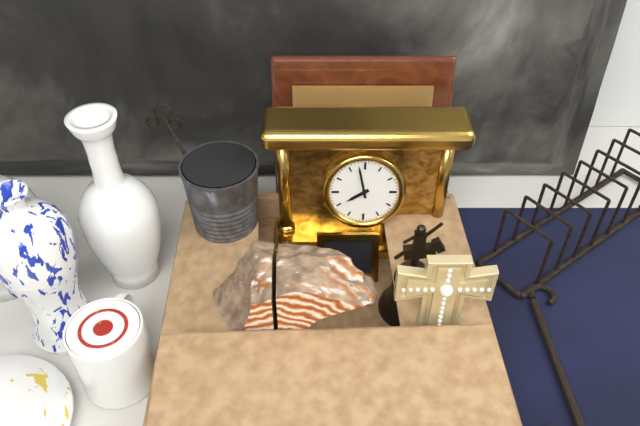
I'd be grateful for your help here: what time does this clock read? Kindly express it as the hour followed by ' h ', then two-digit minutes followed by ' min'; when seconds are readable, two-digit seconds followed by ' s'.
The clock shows 7 h 58 min
